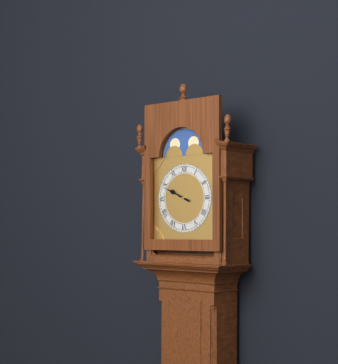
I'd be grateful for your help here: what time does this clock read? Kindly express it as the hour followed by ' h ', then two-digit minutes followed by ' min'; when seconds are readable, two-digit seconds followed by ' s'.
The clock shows 9 h 49 min
